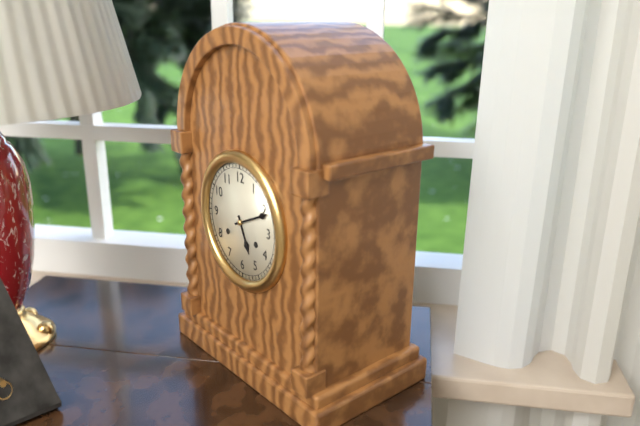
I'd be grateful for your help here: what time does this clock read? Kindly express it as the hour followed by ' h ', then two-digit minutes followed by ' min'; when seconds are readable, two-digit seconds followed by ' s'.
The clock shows 5 h 11 min
